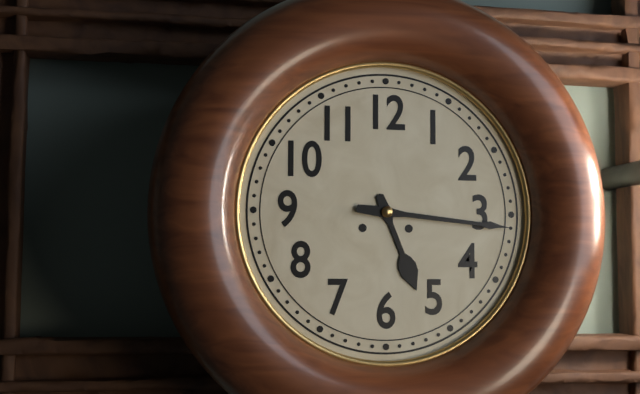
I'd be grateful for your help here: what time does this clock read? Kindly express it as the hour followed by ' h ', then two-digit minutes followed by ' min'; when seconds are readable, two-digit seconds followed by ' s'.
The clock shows 5 h 16 min
